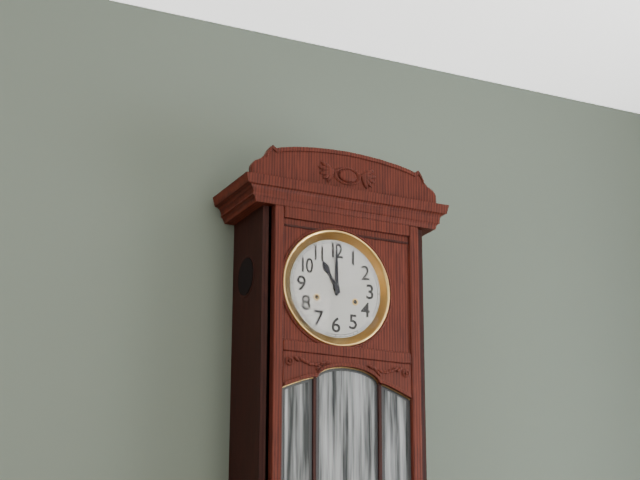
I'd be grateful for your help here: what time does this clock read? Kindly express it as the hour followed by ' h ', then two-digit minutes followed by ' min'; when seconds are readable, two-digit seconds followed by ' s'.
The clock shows 11 h 00 min
